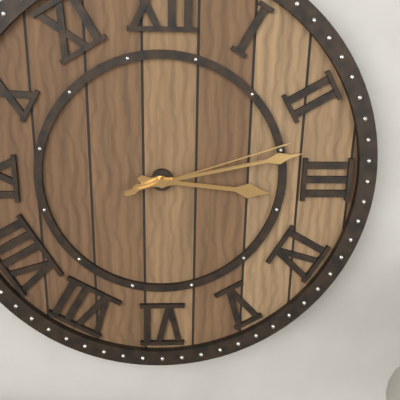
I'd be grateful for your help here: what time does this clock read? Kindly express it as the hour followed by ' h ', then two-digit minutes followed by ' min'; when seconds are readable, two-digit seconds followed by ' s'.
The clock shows 3 h 13 min 12 s
